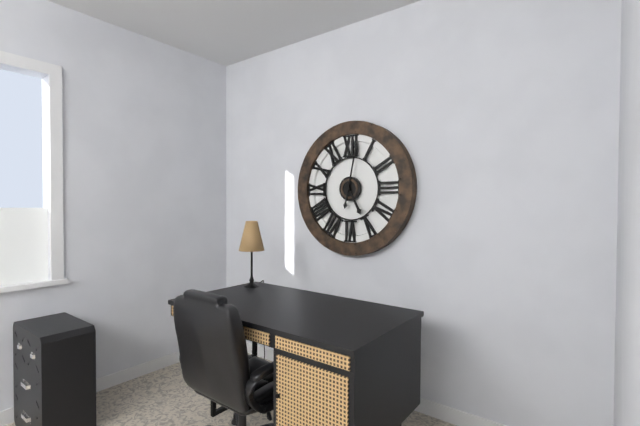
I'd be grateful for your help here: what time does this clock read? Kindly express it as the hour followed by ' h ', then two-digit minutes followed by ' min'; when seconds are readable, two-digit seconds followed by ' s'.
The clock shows 5 h 02 min
